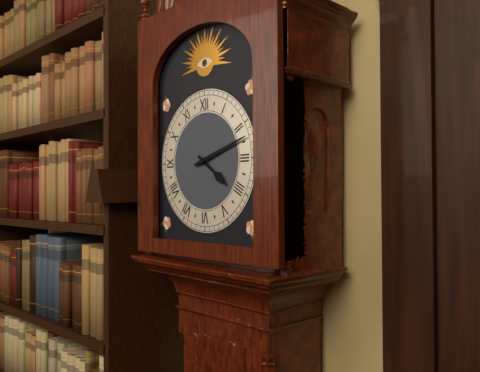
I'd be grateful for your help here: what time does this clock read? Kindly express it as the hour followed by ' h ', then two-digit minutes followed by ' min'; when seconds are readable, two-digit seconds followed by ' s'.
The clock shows 4 h 12 min
